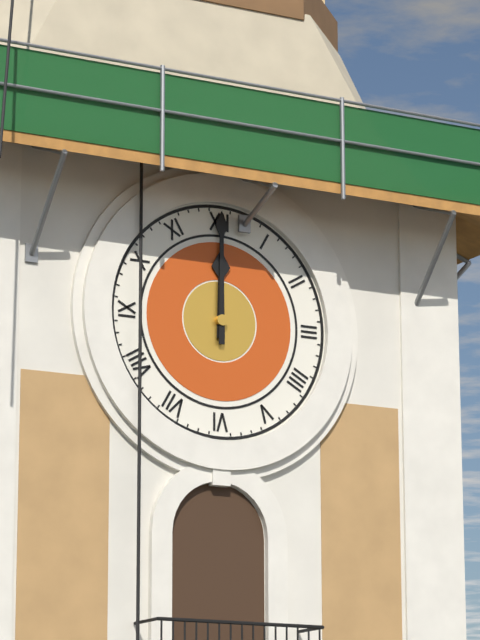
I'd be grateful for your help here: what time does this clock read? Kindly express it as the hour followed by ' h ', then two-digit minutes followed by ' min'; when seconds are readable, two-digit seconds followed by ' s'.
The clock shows 12 h 00 min
